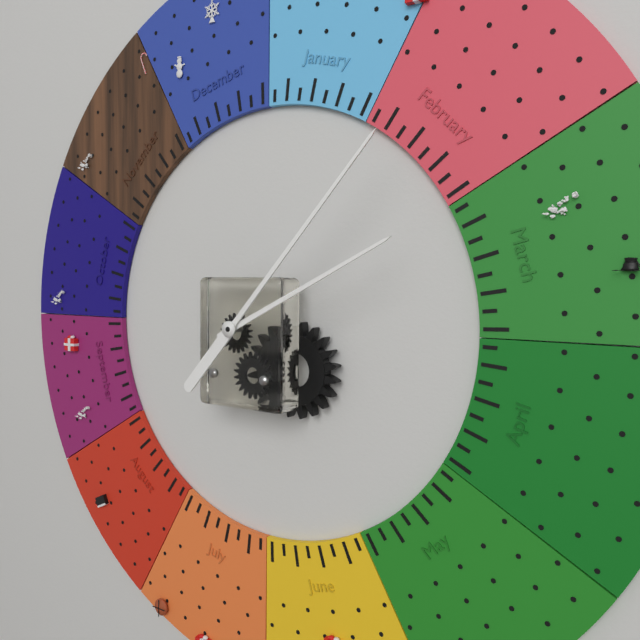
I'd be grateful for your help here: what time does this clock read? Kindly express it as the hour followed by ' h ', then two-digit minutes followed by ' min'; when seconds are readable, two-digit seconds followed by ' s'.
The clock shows 2 h 07 min
